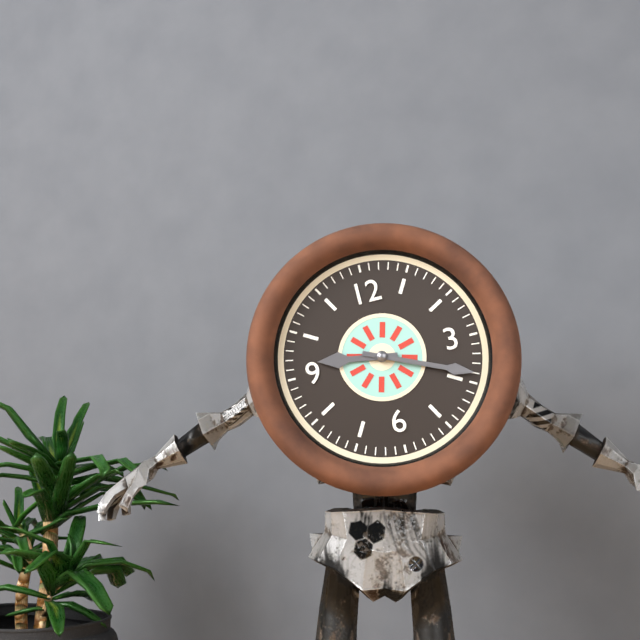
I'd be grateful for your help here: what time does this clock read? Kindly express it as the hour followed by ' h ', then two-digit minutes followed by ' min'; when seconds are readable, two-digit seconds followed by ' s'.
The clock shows 9 h 19 min
